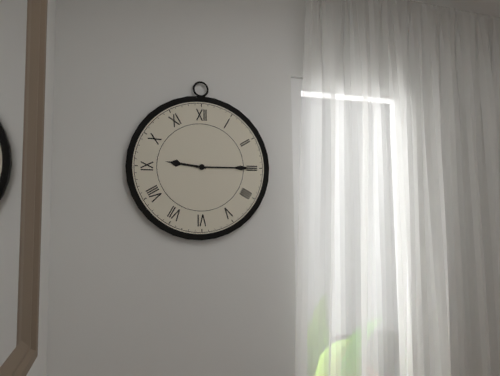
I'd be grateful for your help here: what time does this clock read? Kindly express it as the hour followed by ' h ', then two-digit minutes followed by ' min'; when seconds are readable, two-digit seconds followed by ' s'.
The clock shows 9 h 15 min
